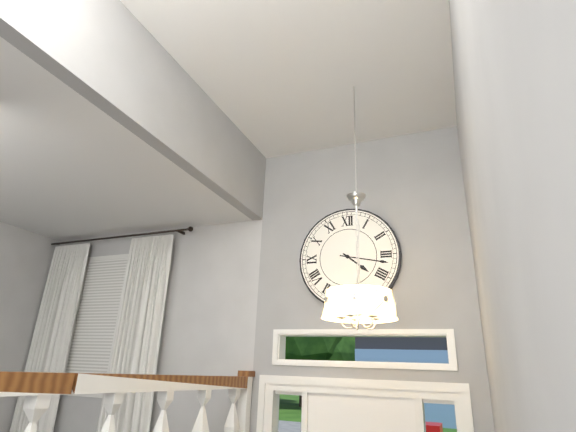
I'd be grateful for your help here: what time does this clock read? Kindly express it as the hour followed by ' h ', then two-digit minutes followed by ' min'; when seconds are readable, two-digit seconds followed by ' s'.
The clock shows 4 h 17 min
